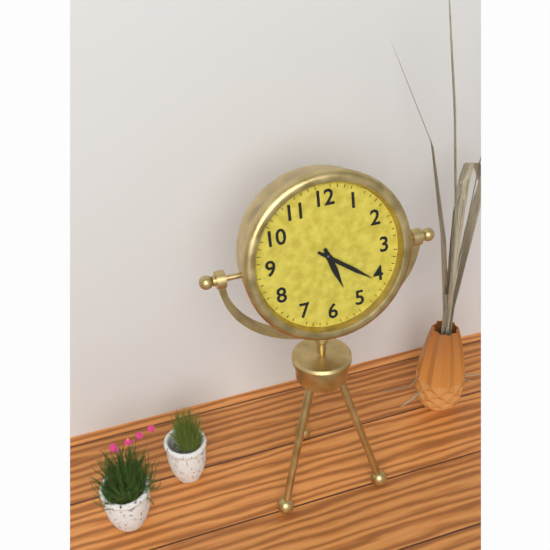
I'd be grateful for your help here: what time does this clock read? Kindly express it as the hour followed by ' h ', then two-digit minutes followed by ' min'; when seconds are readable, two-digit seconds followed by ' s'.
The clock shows 5 h 21 min
